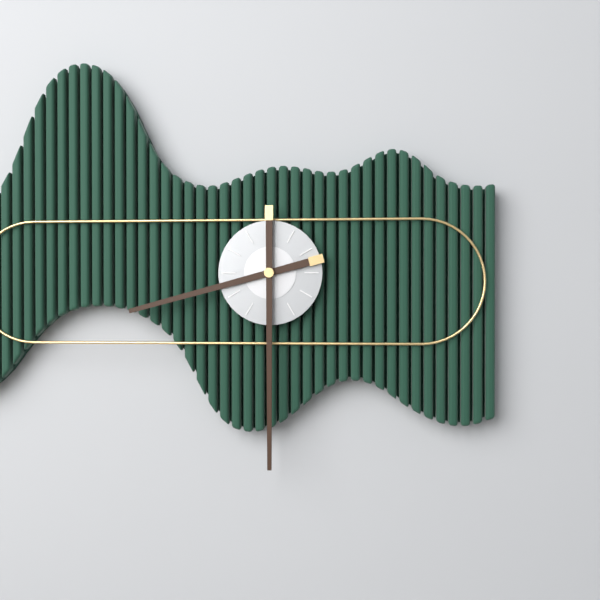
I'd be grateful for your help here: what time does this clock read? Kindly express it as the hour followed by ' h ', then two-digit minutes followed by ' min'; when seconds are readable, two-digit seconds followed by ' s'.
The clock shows 8 h 30 min
